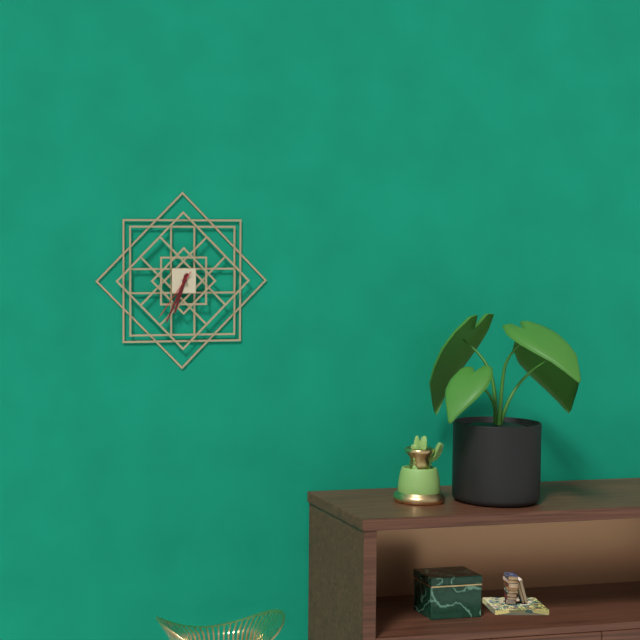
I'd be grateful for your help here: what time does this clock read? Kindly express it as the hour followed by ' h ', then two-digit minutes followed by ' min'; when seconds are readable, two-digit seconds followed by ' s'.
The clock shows 6 h 34 min 36 s
